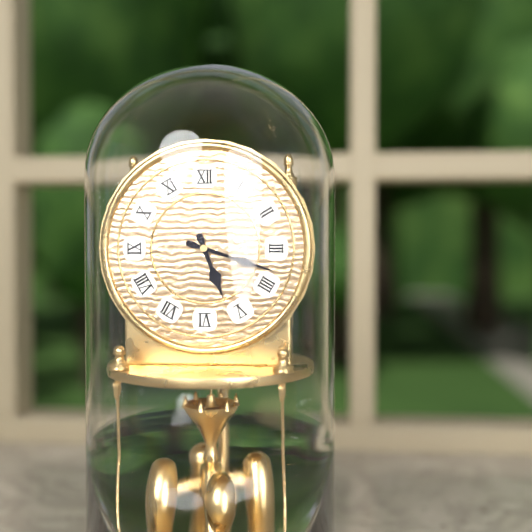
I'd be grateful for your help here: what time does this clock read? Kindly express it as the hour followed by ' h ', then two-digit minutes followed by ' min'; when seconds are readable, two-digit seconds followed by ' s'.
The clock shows 5 h 18 min
